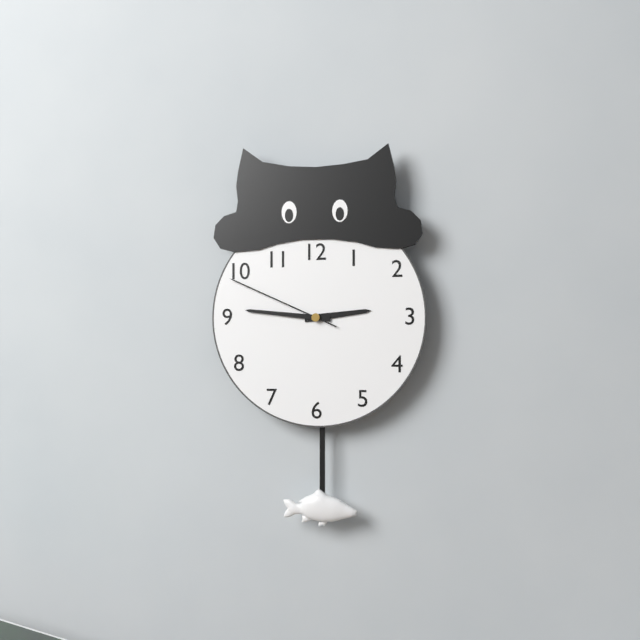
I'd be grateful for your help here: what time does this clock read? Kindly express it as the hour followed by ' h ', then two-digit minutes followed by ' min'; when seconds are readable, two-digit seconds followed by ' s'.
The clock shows 2 h 46 min 49 s
